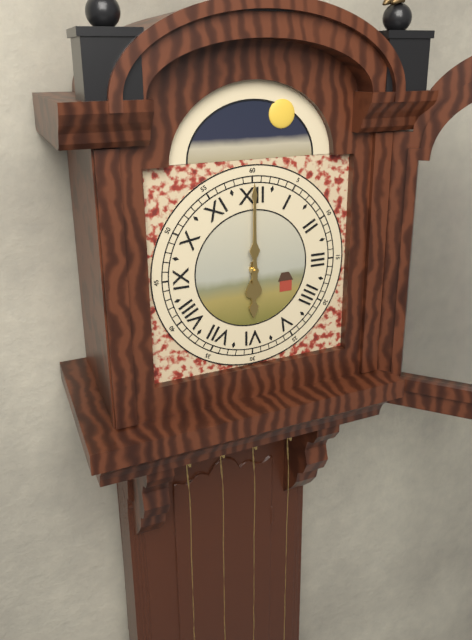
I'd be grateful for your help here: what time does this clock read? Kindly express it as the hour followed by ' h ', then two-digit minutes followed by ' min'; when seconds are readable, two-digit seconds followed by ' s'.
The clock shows 6 h 00 min
